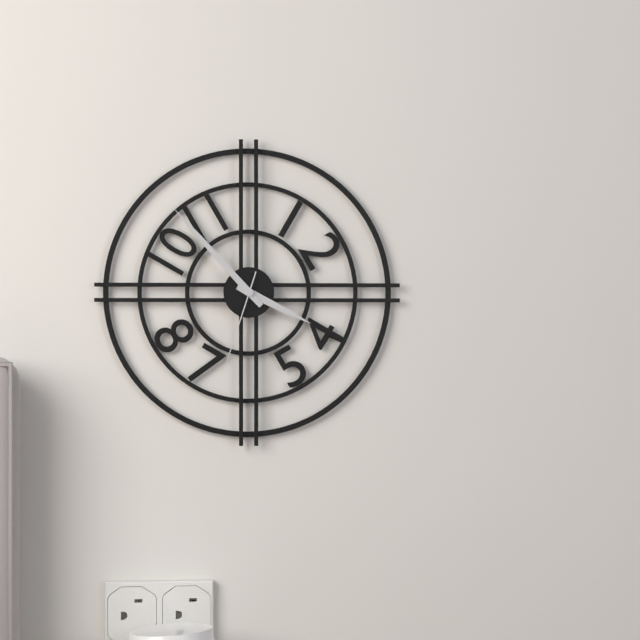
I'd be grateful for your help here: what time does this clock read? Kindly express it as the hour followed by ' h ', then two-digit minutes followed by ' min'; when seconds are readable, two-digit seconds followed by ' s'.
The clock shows 3 h 53 min 33 s
